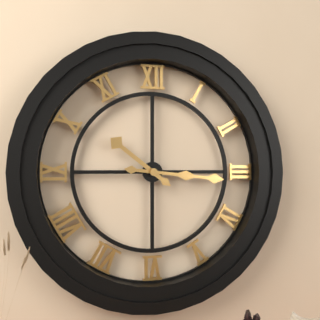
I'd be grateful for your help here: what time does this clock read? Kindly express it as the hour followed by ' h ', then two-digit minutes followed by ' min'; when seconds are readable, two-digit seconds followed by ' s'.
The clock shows 10 h 16 min
